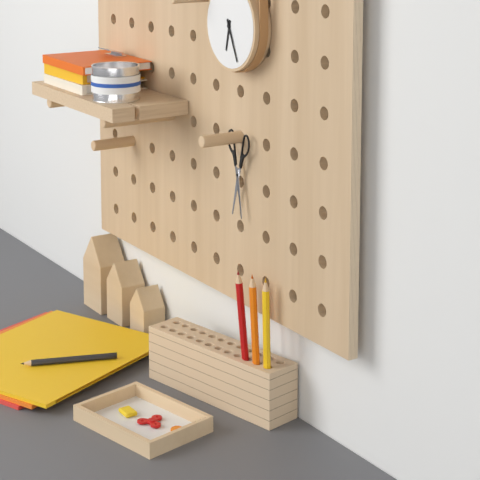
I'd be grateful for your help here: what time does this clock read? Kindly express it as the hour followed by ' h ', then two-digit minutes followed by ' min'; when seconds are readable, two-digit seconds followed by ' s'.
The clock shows 6 h 26 min
